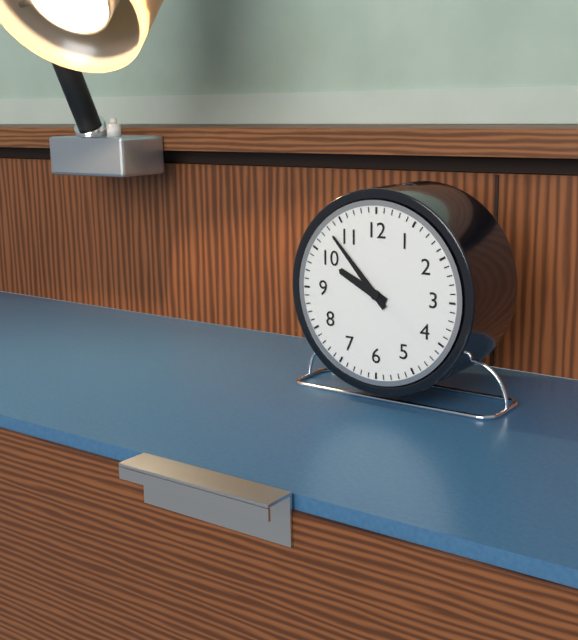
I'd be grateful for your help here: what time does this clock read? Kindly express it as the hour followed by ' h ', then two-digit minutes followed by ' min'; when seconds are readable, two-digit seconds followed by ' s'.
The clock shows 9 h 53 min
